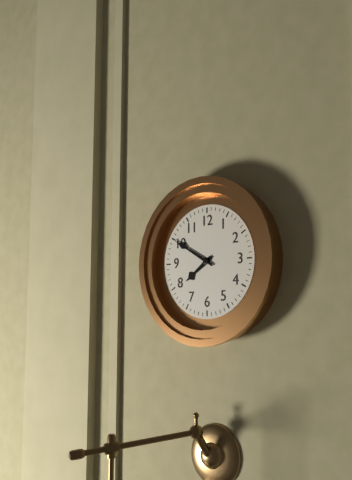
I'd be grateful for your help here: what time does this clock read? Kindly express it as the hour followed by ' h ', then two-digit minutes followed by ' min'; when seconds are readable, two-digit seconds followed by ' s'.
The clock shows 7 h 50 min
